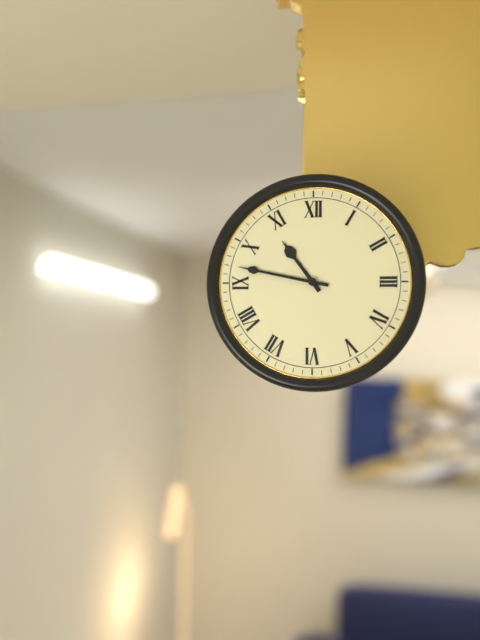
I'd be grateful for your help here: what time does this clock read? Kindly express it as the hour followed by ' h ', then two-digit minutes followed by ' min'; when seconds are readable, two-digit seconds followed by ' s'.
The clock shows 10 h 47 min
